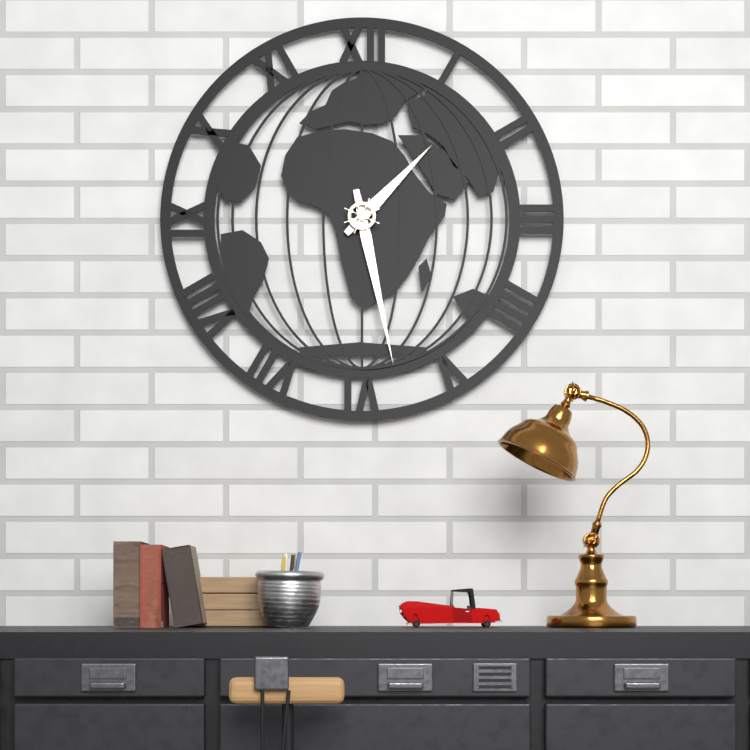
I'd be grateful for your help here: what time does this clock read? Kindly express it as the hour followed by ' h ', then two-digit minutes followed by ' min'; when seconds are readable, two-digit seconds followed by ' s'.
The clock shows 1 h 28 min
